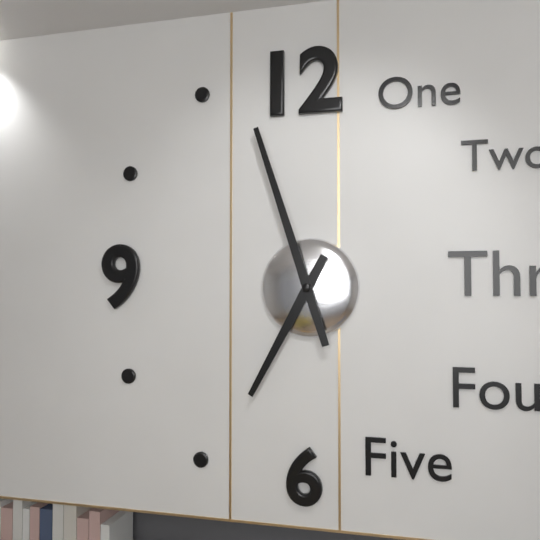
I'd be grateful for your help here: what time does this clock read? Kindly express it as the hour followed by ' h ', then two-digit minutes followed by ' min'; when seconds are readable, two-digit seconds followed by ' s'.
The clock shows 6 h 57 min
